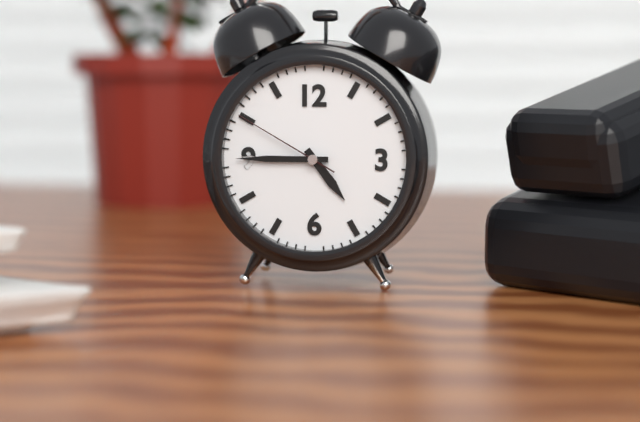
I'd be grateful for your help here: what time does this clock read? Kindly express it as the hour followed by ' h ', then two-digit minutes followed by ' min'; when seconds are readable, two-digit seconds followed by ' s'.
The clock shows 4 h 45 min 50 s
